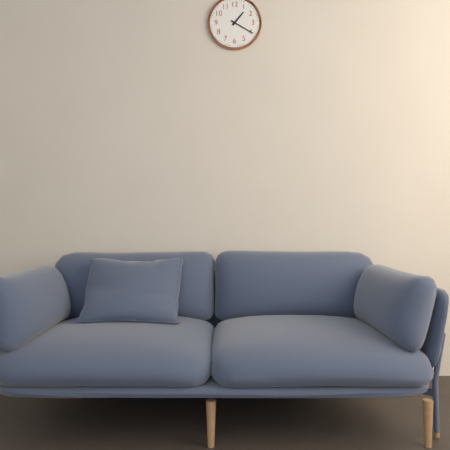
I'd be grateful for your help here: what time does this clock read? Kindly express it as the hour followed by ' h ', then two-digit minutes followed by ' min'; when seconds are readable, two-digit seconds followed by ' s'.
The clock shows 1 h 20 min
